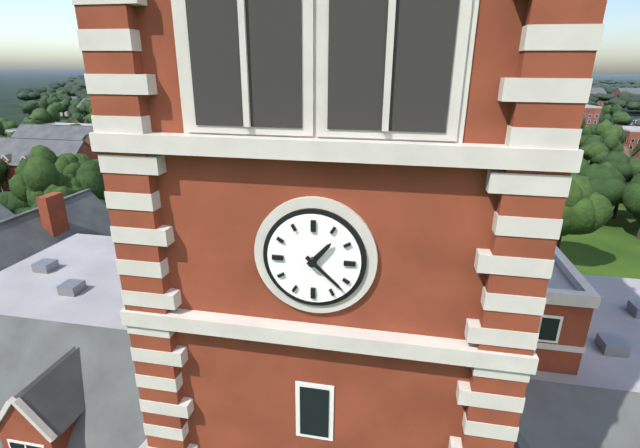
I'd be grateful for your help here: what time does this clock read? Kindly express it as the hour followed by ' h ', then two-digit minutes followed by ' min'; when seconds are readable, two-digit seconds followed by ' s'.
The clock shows 1 h 22 min
